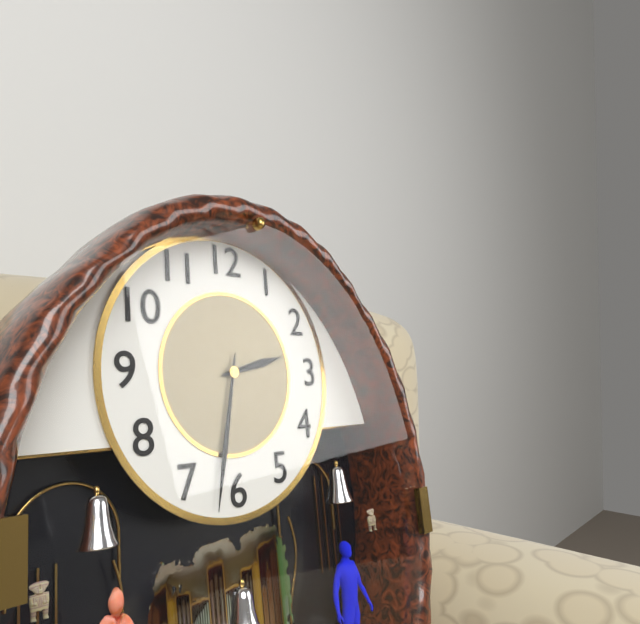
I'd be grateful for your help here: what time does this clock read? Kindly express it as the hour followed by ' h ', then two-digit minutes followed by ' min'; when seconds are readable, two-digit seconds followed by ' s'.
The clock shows 2 h 32 min
